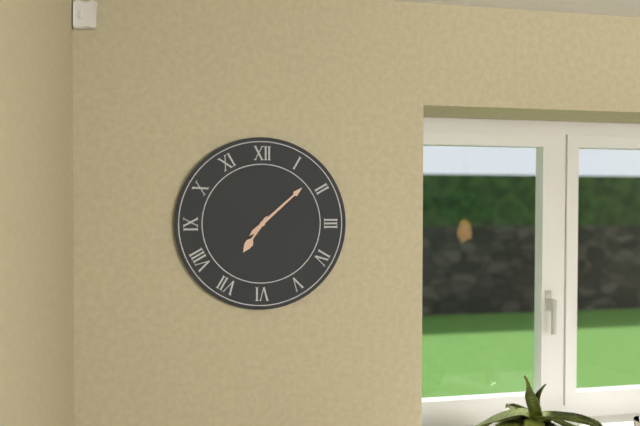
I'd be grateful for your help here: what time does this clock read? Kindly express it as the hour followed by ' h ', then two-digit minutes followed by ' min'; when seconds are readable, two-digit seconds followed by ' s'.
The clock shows 7 h 08 min
